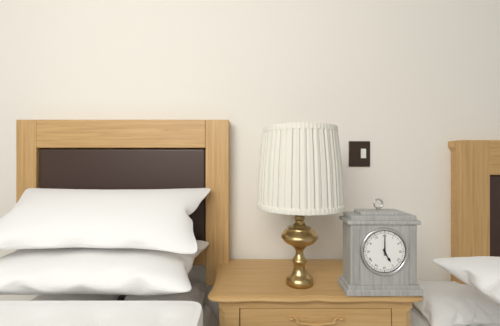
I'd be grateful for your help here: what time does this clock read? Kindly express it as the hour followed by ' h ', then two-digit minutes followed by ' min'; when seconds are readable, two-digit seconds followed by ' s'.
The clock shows 5 h 00 min
